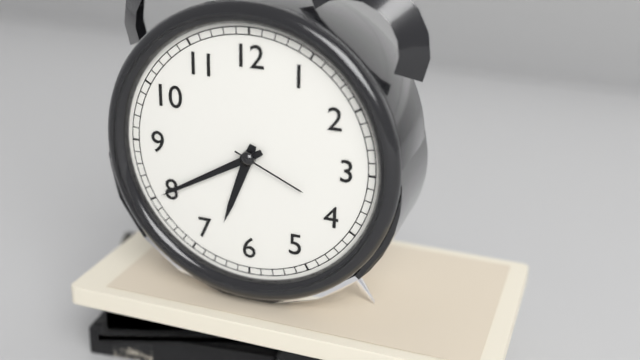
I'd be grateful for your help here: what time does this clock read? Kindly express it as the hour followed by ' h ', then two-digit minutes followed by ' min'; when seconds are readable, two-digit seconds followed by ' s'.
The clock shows 6 h 40 min 19 s
